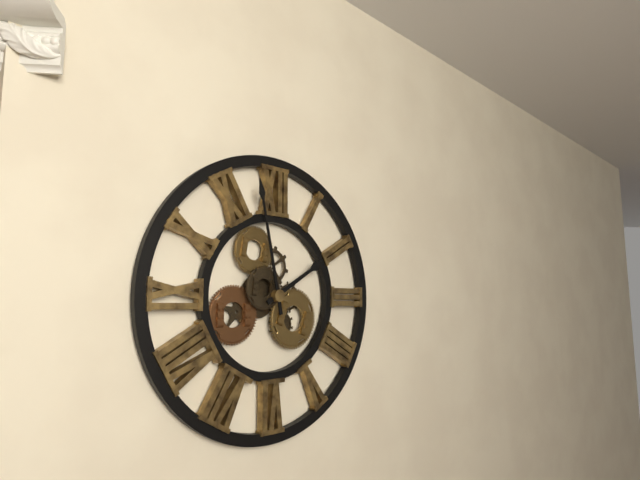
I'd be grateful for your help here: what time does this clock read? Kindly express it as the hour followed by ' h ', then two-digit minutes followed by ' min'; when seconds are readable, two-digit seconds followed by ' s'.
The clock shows 1 h 58 min
